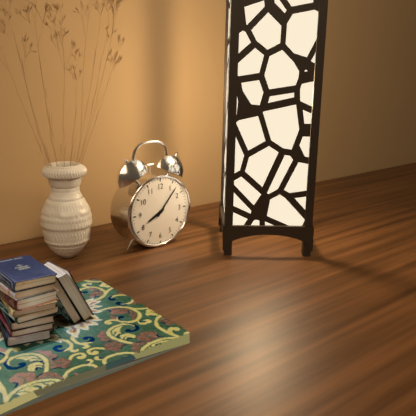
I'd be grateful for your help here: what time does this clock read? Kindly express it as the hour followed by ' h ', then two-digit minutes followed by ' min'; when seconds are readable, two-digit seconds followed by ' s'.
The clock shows 8 h 07 min
